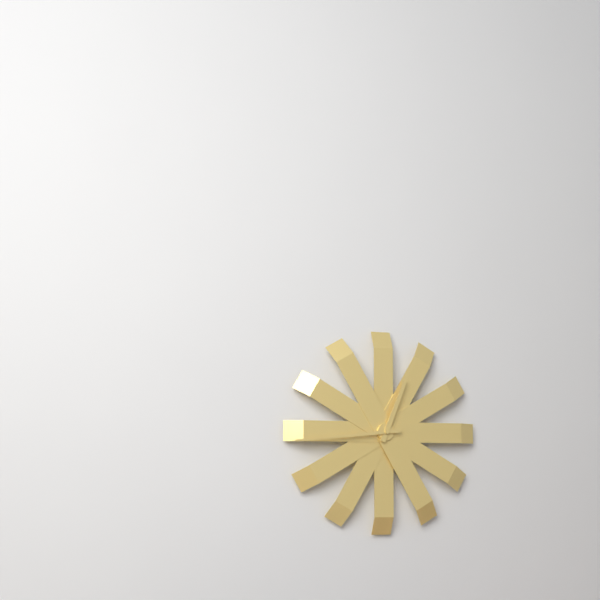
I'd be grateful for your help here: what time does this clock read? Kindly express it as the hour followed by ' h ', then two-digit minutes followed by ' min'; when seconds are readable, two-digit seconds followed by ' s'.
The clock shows 12 h 44 min
